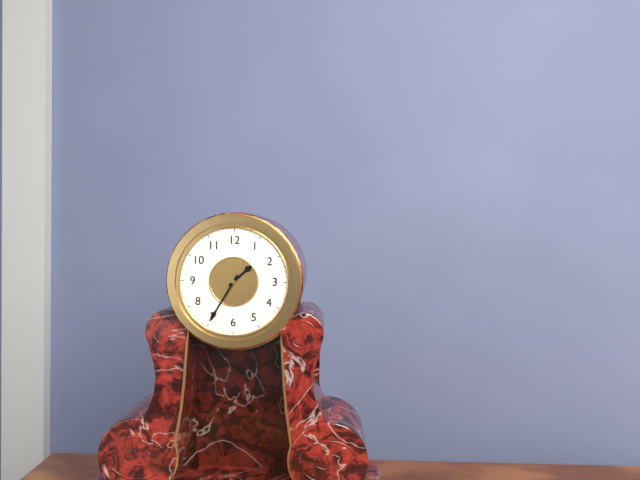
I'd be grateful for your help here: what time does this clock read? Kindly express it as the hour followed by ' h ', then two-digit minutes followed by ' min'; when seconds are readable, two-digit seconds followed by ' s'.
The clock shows 1 h 35 min
